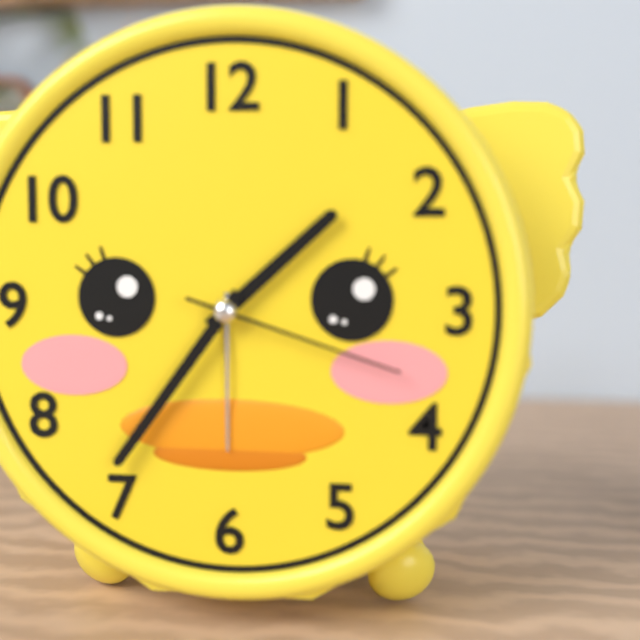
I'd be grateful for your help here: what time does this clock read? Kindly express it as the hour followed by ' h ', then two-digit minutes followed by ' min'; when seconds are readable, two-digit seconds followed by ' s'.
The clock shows 1 h 36 min 18 s
